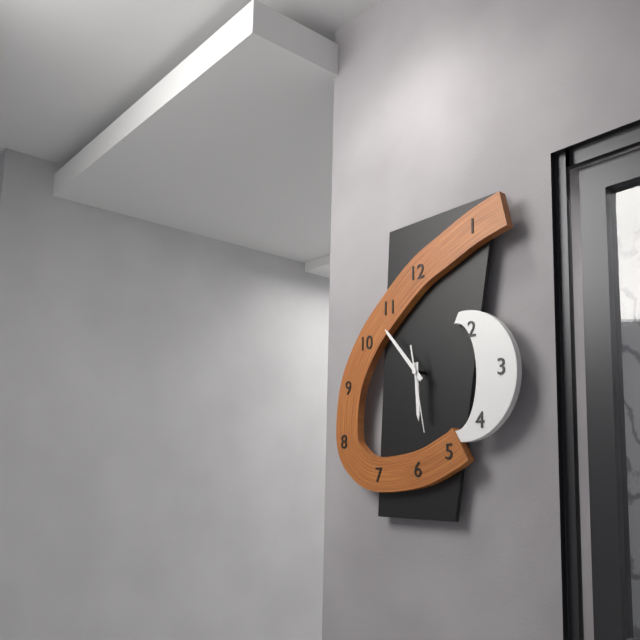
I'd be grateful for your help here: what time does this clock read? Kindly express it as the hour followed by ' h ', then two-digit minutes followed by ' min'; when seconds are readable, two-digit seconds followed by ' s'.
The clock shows 5 h 53 min 28 s
